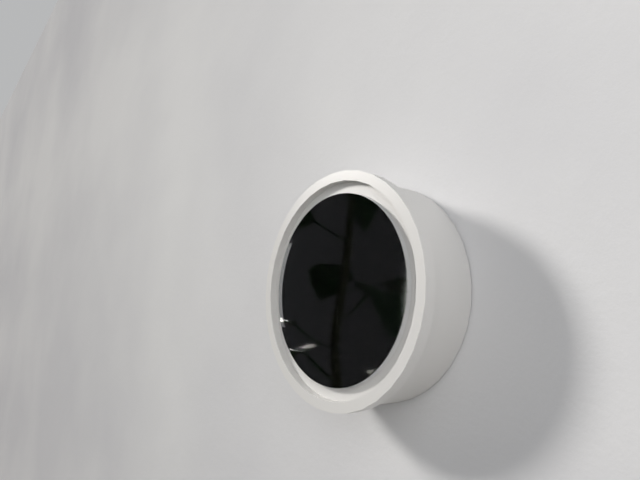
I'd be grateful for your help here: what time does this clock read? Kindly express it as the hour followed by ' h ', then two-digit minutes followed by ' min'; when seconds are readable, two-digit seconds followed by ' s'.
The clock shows 6 h 16 min 53 s
